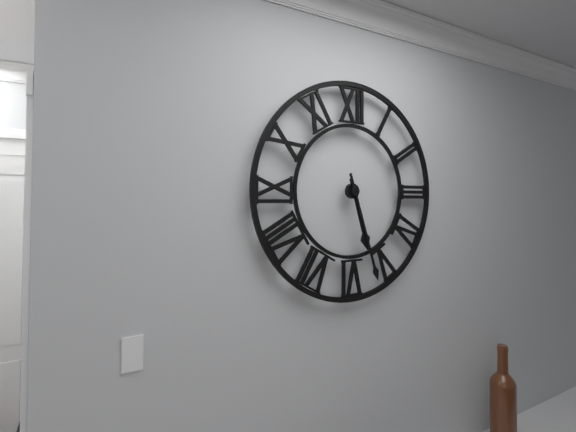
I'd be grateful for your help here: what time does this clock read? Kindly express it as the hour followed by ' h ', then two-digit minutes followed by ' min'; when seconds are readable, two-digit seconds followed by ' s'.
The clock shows 5 h 27 min
